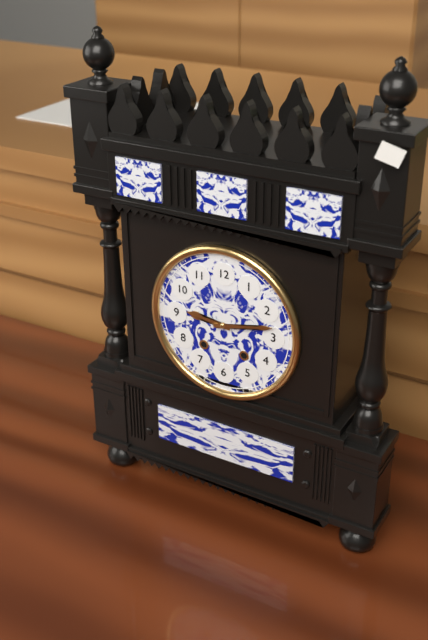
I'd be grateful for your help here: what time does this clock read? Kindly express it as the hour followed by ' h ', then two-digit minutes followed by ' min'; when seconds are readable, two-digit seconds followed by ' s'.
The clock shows 9 h 13 min
